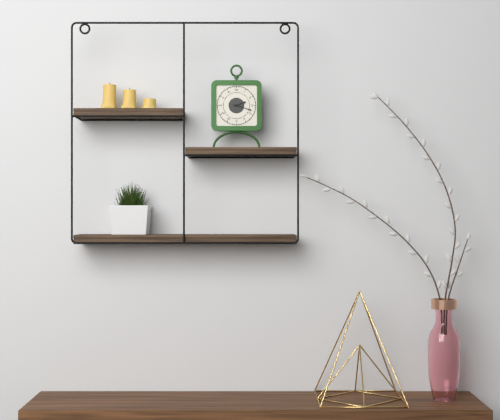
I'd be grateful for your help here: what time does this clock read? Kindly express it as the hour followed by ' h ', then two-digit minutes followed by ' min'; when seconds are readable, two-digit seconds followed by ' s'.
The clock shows 2 h 18 min
